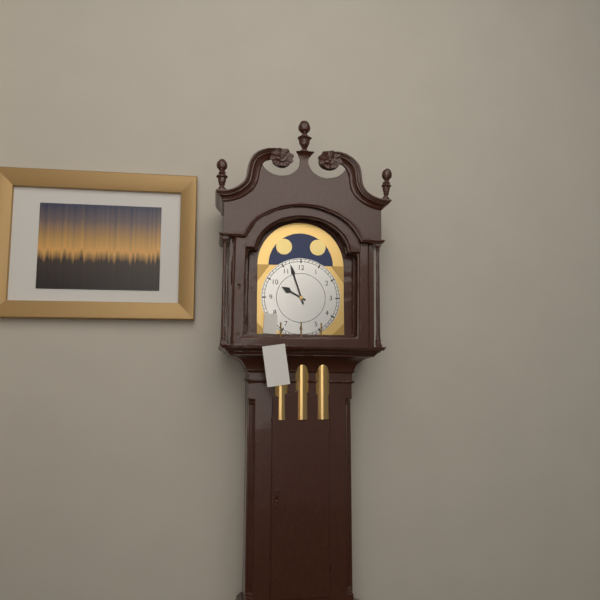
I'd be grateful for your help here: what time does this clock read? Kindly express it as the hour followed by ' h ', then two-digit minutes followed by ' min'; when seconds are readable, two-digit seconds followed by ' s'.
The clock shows 9 h 57 min
